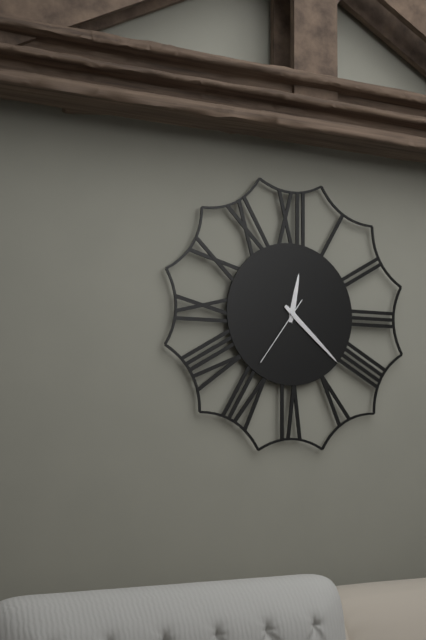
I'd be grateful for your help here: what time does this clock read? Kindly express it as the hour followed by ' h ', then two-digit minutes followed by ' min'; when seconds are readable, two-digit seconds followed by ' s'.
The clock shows 12 h 22 min 36 s
